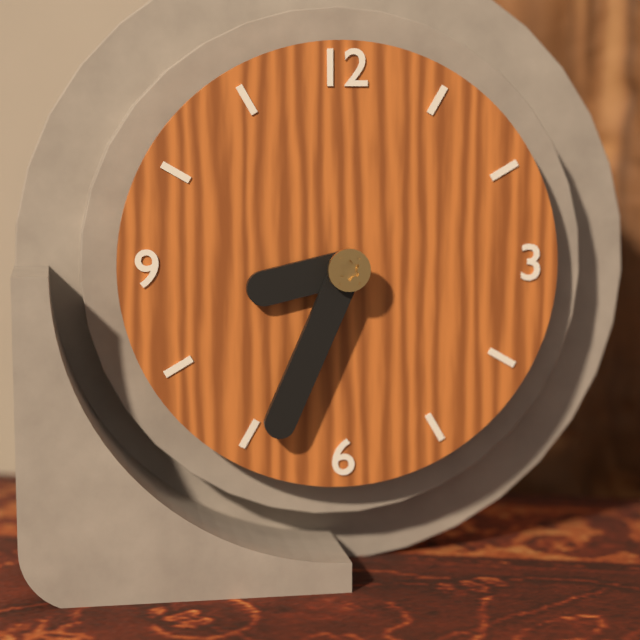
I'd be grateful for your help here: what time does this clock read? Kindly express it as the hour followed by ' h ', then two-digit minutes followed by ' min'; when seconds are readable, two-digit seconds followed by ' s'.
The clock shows 8 h 34 min
